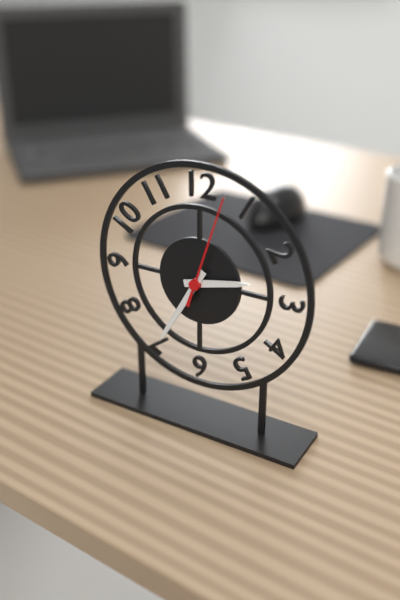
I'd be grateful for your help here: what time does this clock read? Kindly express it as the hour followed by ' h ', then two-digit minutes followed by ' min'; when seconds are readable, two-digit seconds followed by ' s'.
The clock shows 2 h 35 min 03 s
